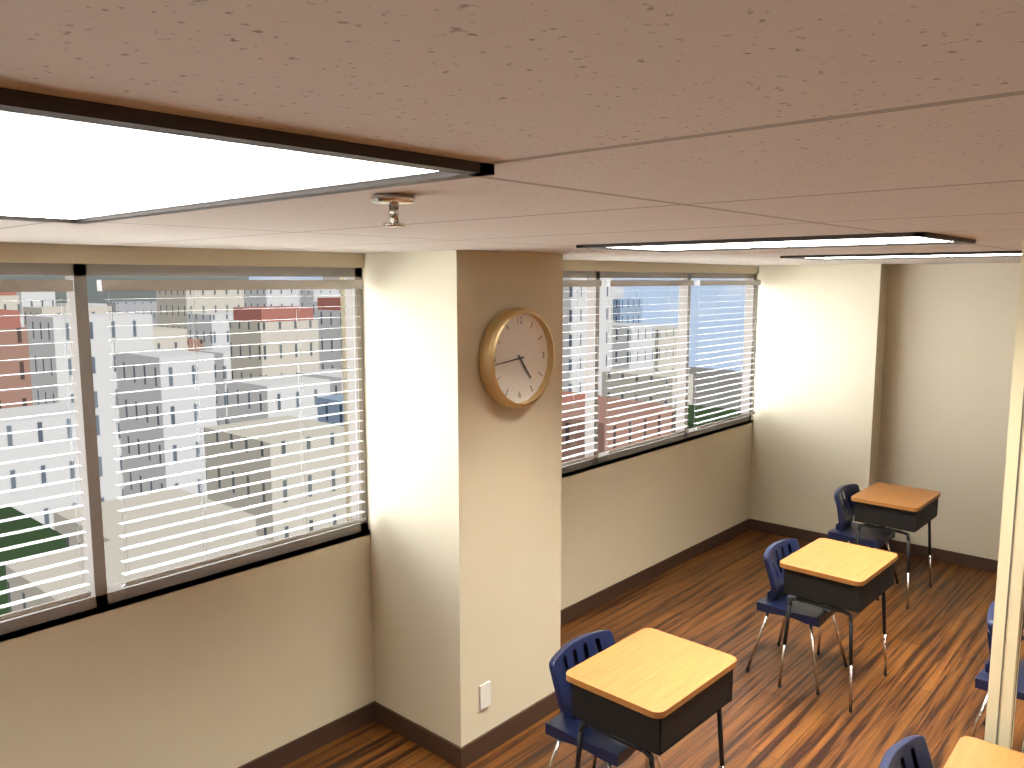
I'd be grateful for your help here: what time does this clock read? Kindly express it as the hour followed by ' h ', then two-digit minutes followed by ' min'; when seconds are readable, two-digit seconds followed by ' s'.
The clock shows 4 h 44 min
